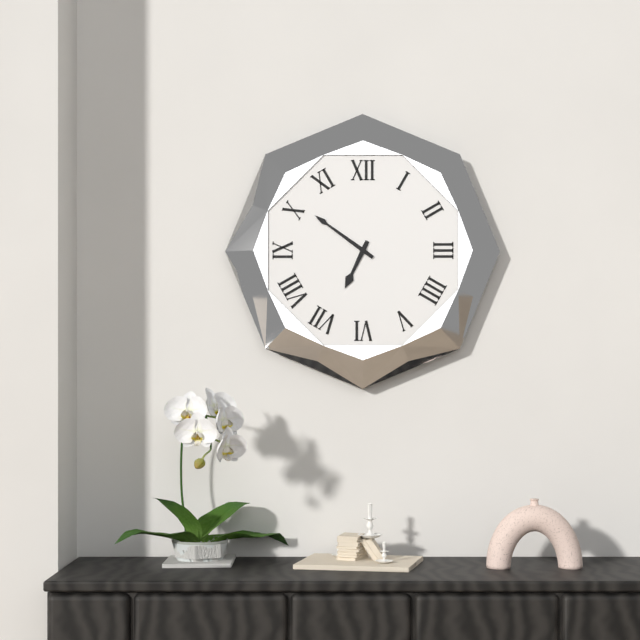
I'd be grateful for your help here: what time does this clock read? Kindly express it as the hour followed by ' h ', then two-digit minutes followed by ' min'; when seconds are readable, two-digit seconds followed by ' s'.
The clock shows 6 h 51 min
